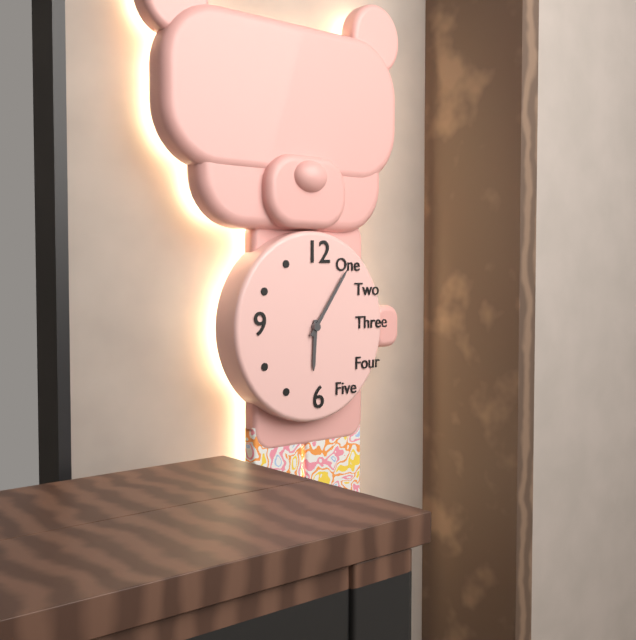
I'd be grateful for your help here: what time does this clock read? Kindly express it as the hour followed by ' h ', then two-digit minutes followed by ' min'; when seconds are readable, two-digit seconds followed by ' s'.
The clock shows 6 h 06 min
